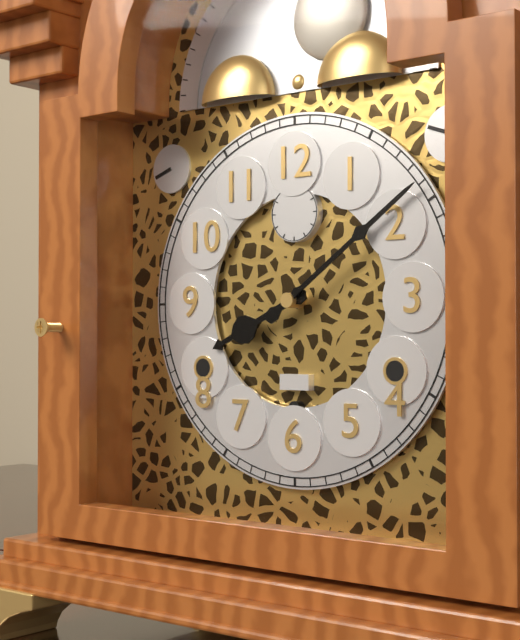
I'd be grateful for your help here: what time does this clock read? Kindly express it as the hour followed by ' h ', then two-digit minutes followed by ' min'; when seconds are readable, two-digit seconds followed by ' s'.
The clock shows 8 h 09 min
